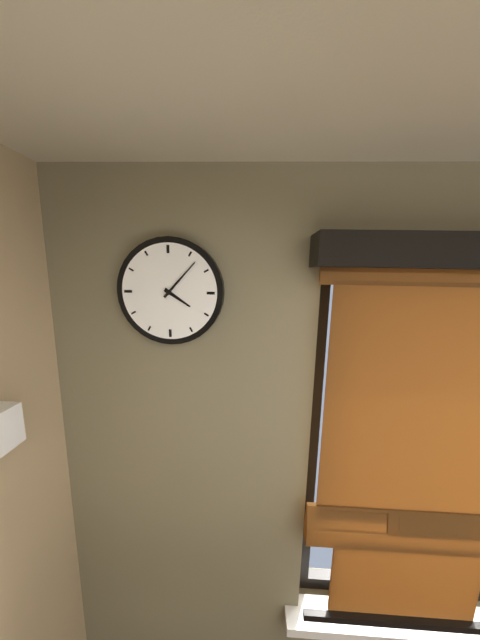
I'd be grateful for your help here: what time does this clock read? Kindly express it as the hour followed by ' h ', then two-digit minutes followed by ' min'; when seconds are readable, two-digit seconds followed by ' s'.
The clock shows 4 h 07 min
